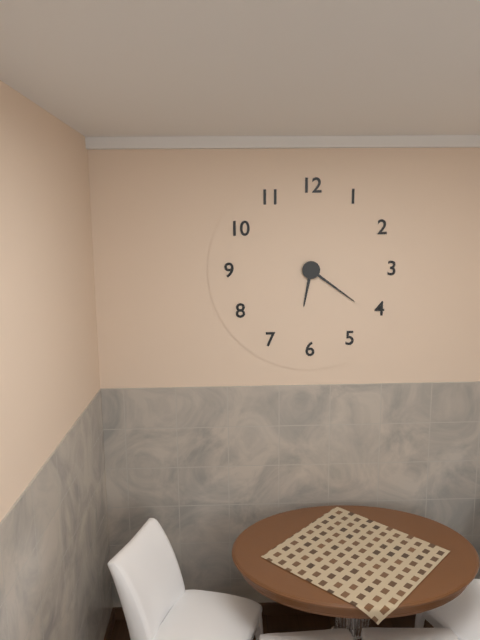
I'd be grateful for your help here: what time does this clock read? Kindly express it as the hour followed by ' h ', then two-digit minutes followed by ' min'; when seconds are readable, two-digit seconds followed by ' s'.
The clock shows 6 h 21 min
